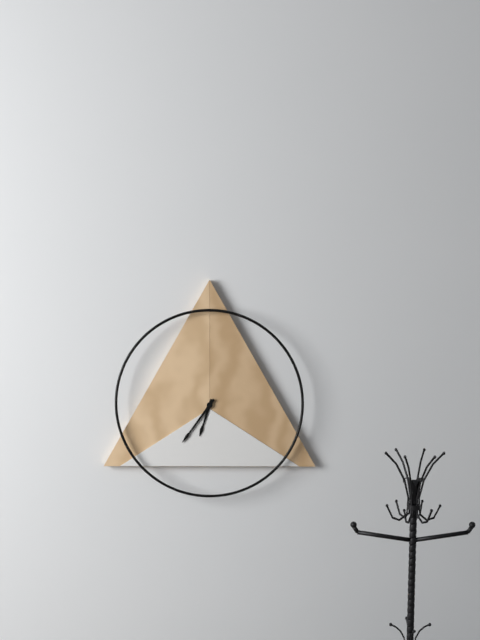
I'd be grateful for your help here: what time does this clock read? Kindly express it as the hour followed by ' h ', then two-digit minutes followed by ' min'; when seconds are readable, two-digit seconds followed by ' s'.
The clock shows 6 h 36 min
